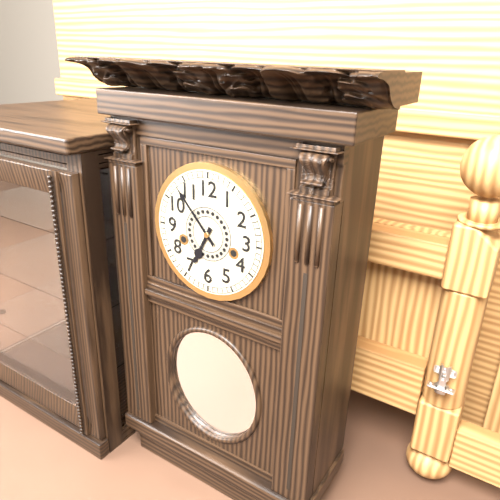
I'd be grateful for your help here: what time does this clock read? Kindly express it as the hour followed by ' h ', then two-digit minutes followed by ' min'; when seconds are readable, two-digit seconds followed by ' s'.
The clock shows 6 h 53 min
